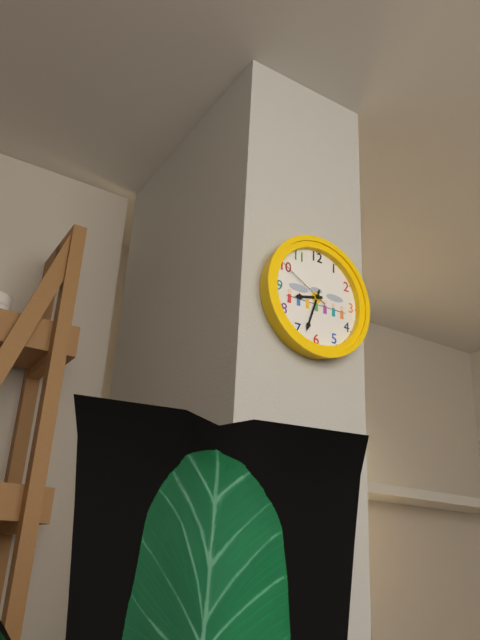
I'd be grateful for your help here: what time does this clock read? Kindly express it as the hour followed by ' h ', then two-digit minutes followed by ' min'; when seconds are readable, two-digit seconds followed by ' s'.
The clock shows 8 h 33 min 50 s
